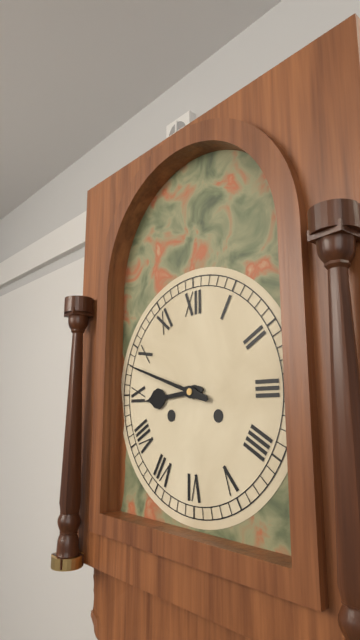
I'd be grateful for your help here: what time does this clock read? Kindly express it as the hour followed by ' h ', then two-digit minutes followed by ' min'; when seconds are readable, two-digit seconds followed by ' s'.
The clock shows 8 h 48 min
